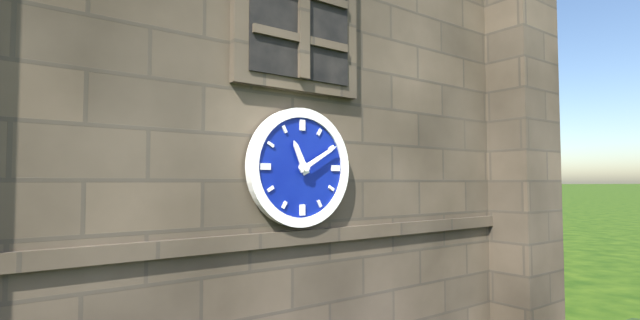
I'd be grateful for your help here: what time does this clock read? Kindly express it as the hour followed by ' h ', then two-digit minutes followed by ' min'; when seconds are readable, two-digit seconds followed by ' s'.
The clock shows 11 h 10 min
